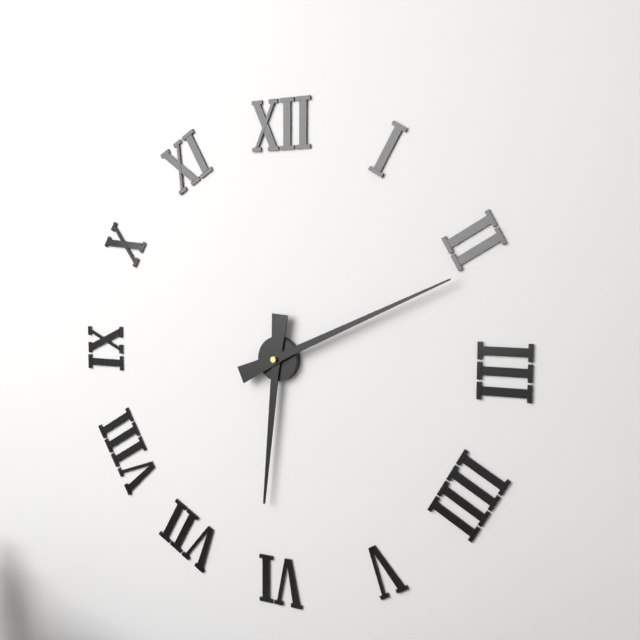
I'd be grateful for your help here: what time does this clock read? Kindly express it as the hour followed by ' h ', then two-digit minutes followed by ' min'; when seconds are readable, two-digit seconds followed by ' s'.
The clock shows 6 h 11 min
